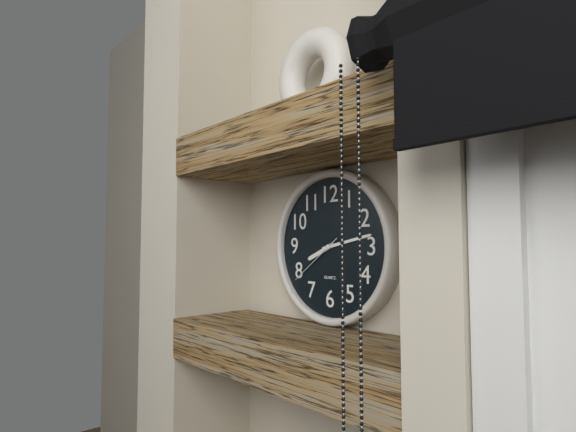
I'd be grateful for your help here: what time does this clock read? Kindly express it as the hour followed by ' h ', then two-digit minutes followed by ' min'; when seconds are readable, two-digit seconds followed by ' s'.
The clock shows 8 h 13 min 39 s
